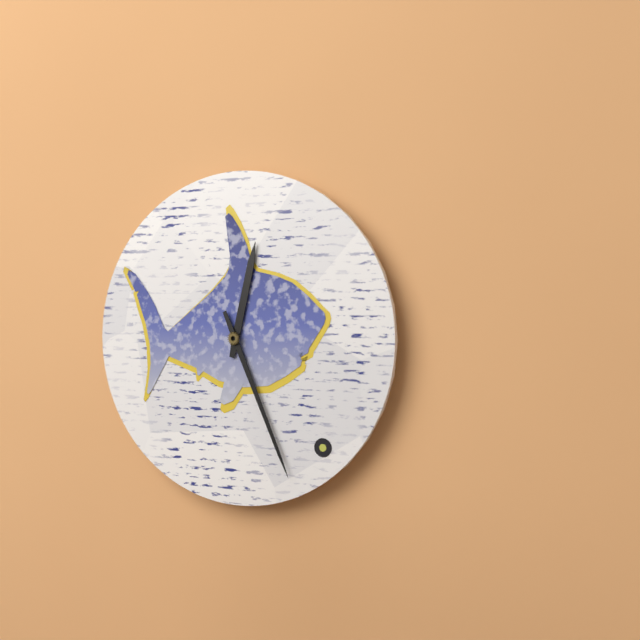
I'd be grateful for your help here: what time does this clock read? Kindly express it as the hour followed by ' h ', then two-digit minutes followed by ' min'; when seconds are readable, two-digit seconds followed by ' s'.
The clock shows 12 h 26 min
